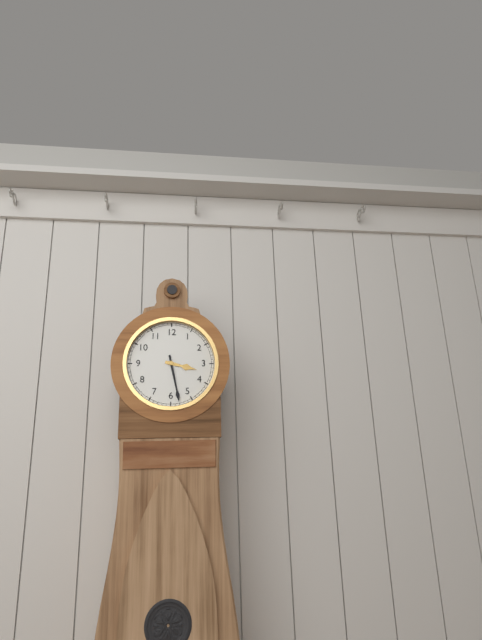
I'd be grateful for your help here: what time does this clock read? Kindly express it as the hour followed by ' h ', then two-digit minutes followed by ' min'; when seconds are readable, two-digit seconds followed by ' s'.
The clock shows 3 h 28 min
